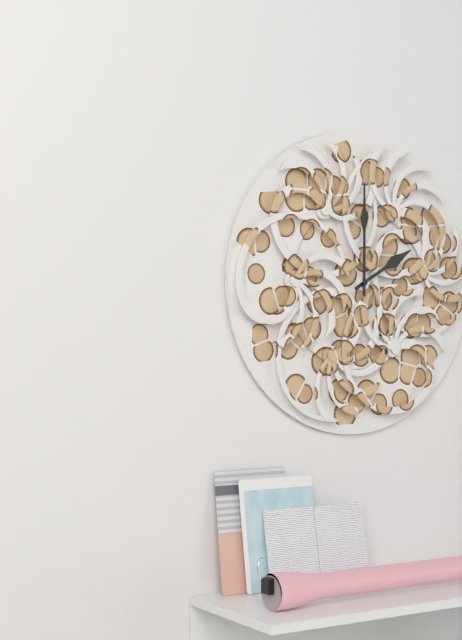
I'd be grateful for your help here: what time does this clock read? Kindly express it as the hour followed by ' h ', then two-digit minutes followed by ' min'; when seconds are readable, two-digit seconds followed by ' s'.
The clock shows 2 h 00 min
